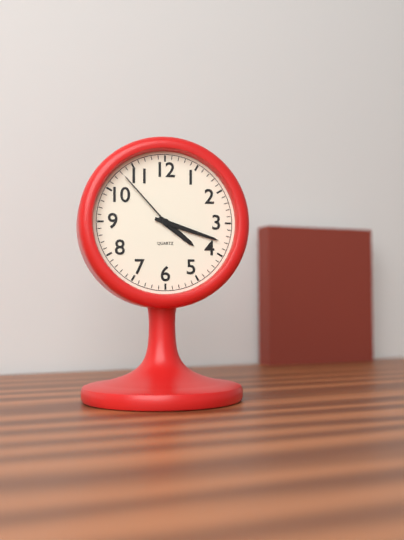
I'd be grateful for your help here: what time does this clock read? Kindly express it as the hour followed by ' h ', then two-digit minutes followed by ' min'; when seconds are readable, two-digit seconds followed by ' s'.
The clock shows 4 h 18 min 53 s
